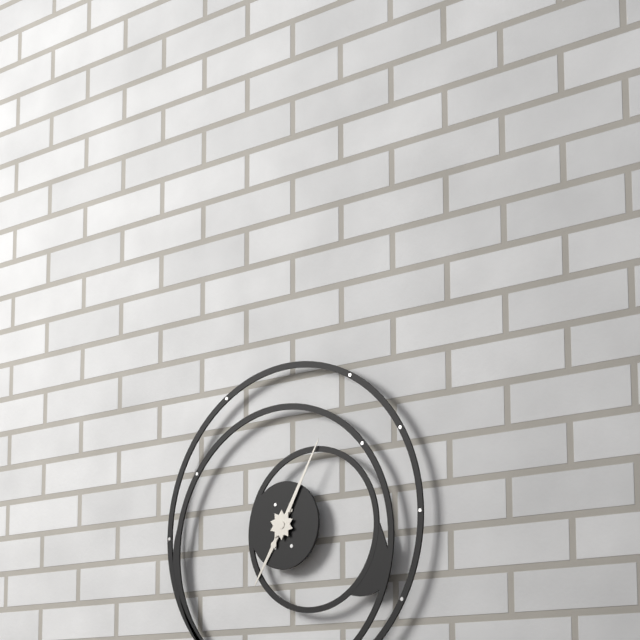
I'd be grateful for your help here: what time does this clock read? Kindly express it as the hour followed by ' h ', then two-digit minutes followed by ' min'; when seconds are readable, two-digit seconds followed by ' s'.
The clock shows 7 h 05 min
